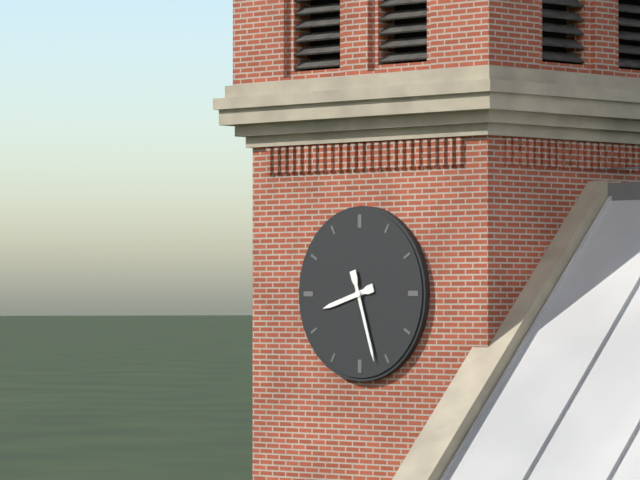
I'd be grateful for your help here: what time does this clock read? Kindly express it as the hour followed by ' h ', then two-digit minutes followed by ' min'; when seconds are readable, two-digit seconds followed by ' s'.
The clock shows 8 h 27 min
